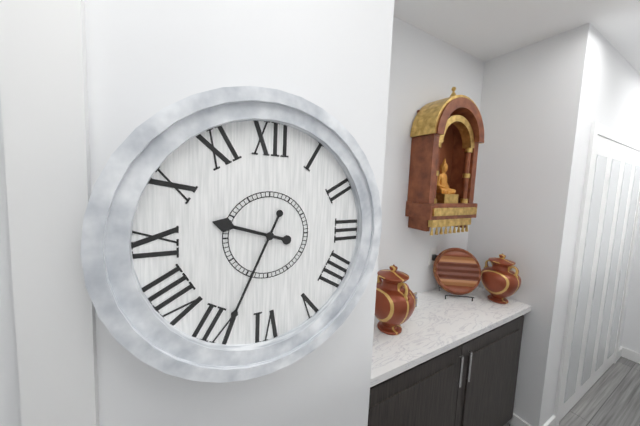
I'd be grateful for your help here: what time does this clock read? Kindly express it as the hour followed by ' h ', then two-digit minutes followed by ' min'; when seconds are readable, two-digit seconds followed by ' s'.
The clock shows 9 h 34 min
